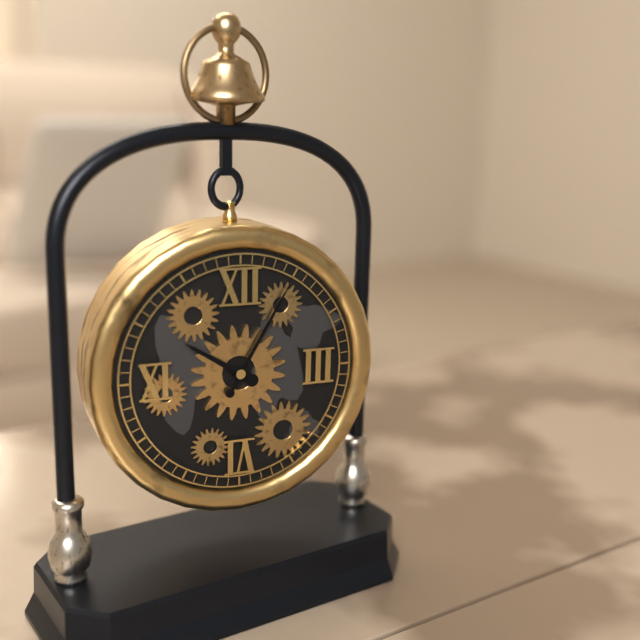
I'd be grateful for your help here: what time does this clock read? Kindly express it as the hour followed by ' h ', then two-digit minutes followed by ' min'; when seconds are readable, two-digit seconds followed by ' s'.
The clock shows 10 h 05 min
